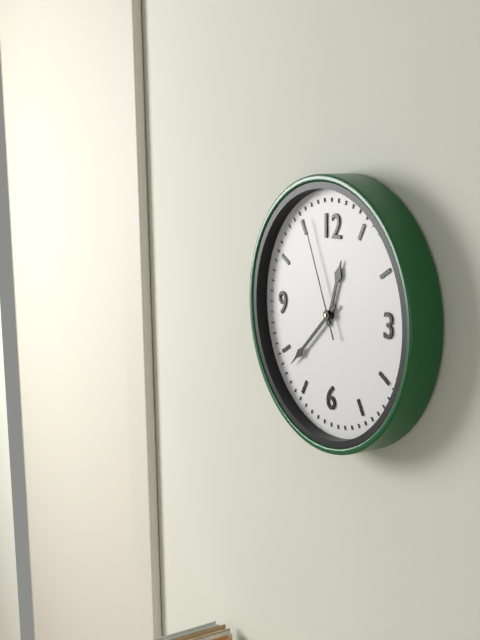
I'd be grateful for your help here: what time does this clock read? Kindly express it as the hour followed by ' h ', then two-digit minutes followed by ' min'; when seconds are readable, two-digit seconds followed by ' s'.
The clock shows 12 h 38 min 56 s
